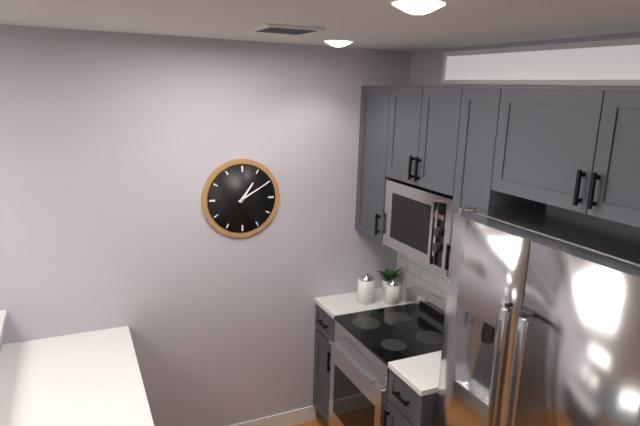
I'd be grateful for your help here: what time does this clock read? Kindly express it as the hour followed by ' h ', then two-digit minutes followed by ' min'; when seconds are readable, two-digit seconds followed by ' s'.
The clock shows 1 h 10 min
